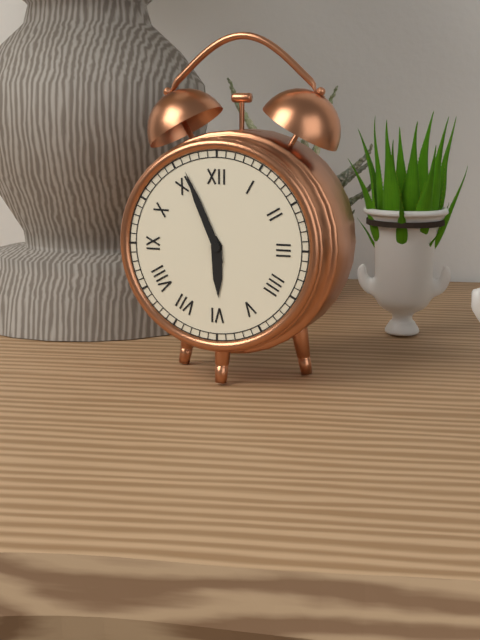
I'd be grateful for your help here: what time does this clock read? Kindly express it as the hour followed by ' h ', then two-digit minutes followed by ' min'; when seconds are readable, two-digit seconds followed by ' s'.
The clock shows 5 h 56 min
